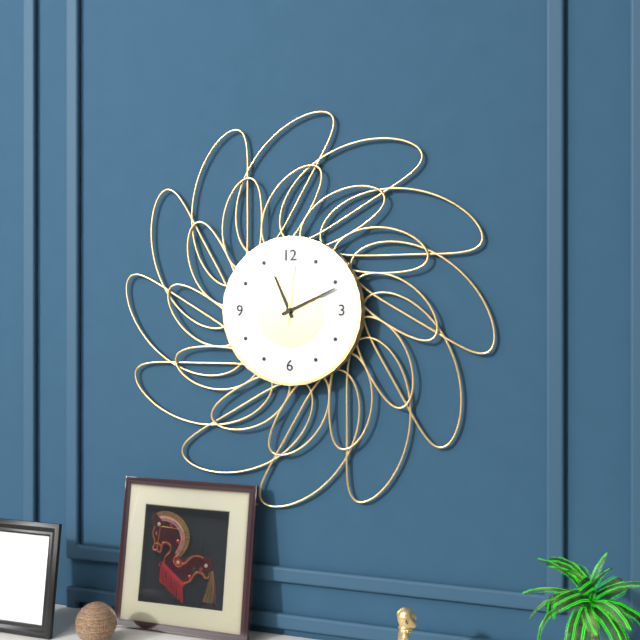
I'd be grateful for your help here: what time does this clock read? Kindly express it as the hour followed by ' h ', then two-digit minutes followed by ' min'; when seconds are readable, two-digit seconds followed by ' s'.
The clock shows 11 h 11 min 01 s
